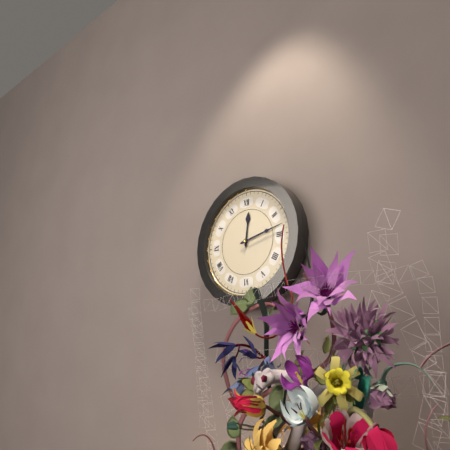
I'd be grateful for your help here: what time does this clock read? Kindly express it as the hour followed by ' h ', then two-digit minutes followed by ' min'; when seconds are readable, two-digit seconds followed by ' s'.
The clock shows 12 h 13 min
